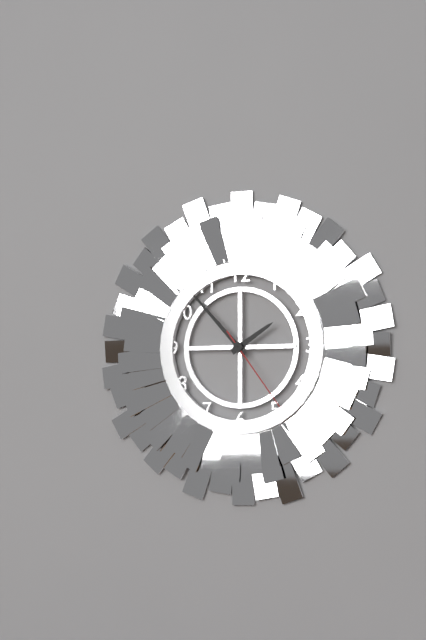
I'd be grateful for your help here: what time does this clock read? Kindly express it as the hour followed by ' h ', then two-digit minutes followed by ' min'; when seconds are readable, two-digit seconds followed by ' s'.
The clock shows 1 h 53 min 24 s
